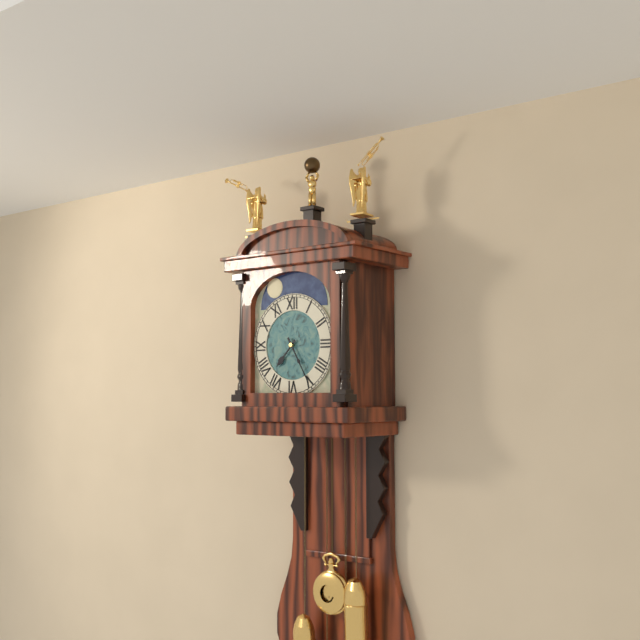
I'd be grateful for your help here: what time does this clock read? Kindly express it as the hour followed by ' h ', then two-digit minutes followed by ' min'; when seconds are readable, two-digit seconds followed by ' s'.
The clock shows 7 h 25 min
